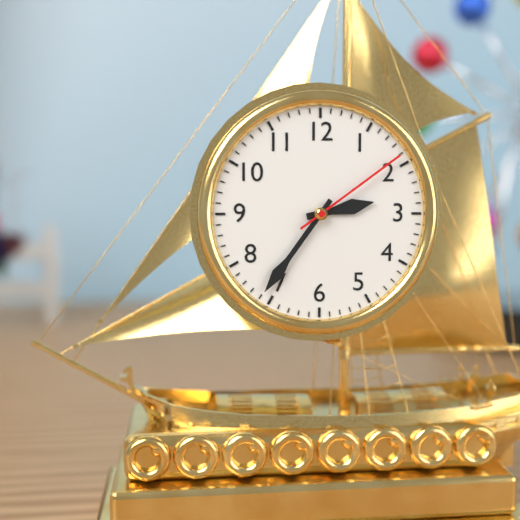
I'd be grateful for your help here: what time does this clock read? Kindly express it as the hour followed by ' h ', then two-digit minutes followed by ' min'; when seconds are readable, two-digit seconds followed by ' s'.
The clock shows 2 h 36 min 09 s
